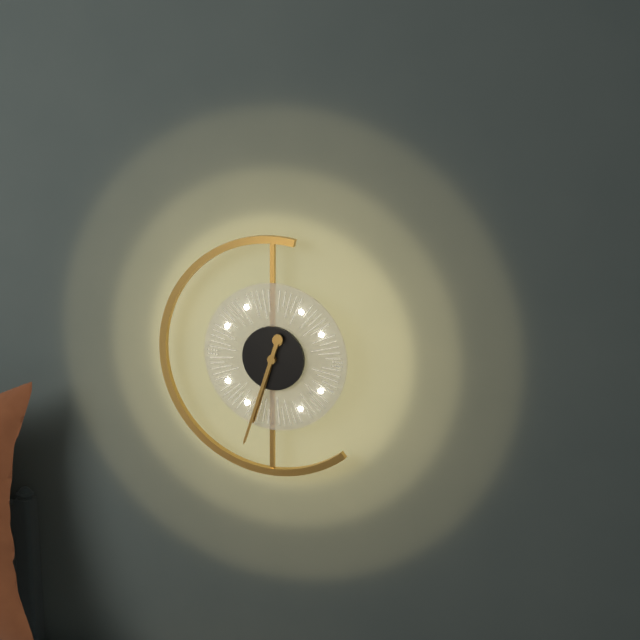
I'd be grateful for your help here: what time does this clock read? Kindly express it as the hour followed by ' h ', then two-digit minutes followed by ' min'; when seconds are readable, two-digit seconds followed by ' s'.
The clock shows 6 h 33 min
